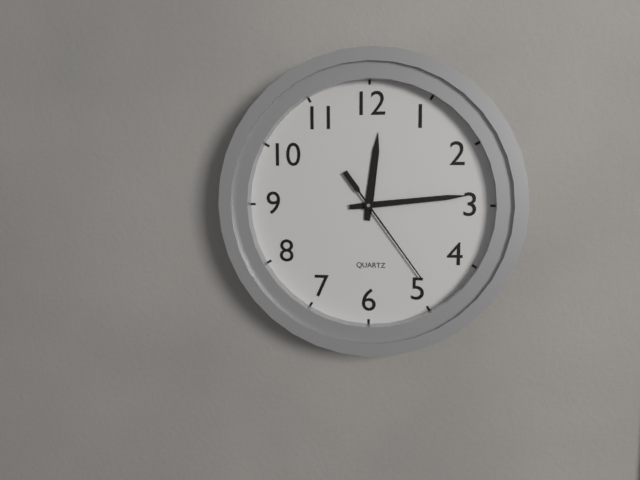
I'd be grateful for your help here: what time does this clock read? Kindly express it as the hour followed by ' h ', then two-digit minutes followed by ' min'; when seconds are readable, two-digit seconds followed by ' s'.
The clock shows 12 h 14 min 24 s
